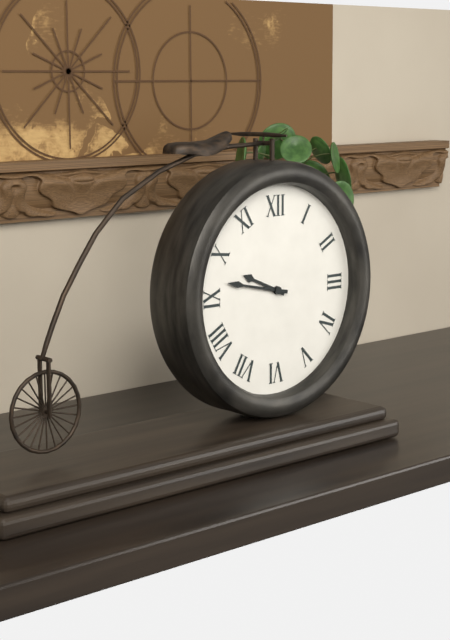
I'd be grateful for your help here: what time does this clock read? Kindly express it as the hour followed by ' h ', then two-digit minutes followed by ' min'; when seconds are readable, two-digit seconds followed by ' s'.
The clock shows 9 h 47 min
